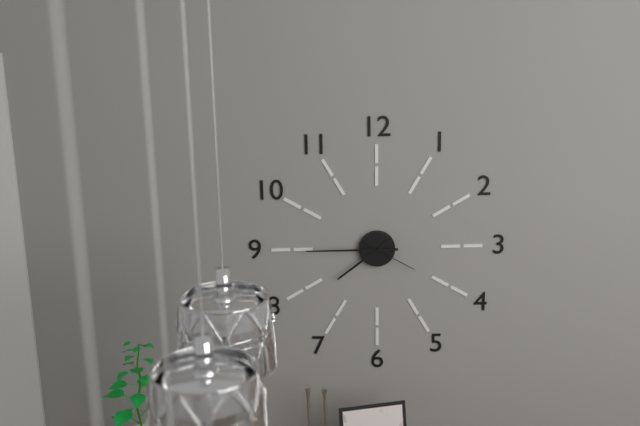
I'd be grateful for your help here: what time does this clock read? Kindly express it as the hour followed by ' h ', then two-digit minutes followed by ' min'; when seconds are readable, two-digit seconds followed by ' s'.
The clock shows 7 h 45 min 20 s
